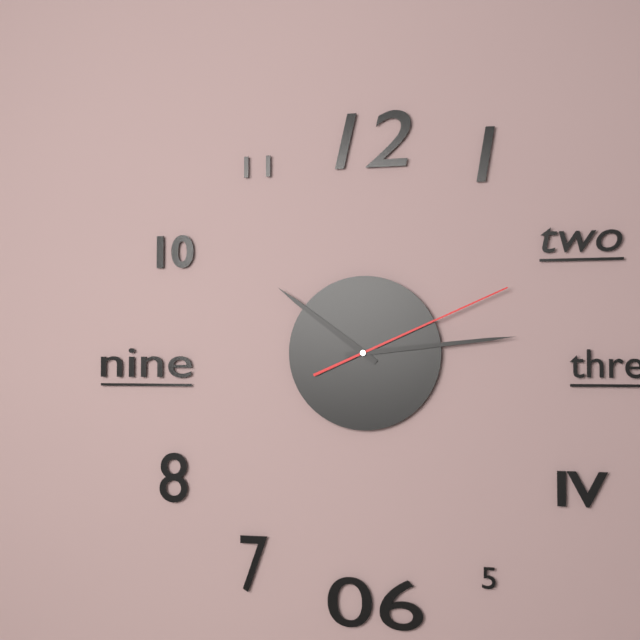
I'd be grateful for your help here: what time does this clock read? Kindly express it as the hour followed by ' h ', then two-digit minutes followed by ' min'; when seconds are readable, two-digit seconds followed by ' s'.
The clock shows 10 h 14 min 11 s
